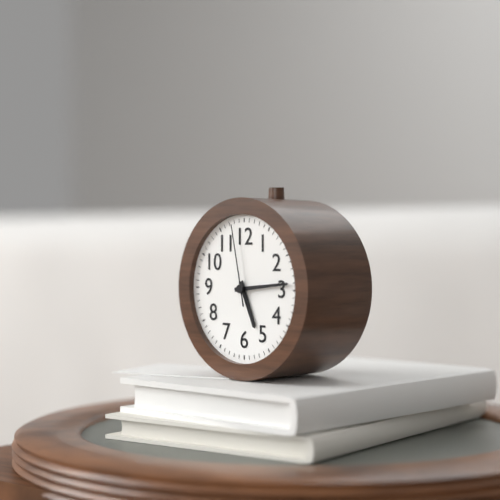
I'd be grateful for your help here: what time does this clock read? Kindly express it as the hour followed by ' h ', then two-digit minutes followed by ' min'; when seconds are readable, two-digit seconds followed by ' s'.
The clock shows 5 h 14 min 58 s
